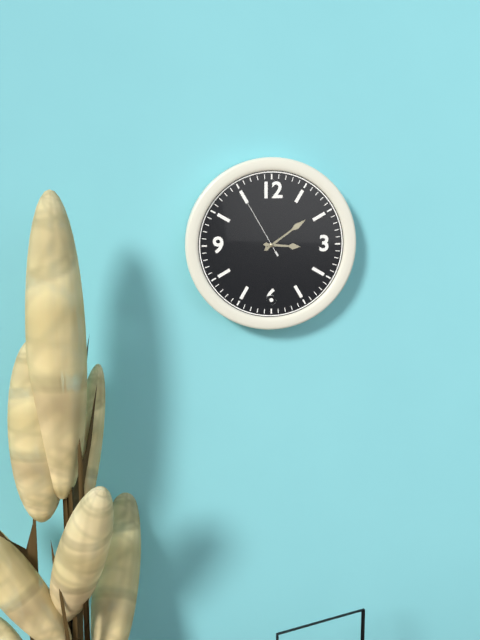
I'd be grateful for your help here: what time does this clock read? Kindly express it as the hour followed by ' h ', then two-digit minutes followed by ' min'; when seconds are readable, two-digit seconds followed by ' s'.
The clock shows 3 h 09 min 55 s
